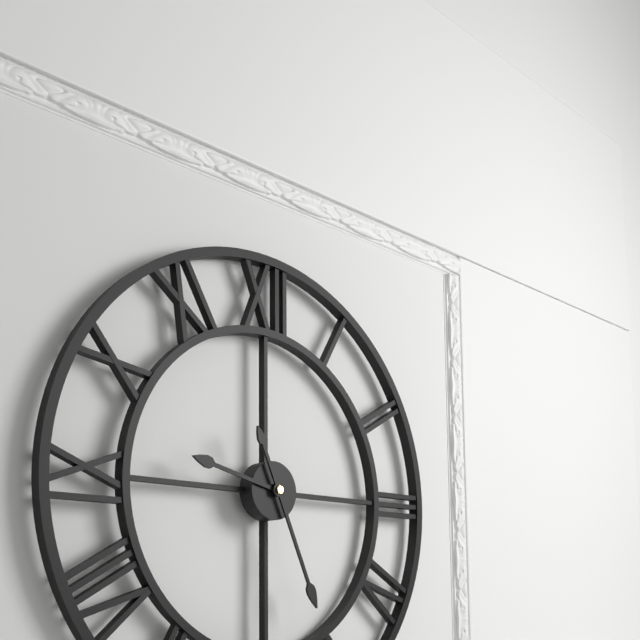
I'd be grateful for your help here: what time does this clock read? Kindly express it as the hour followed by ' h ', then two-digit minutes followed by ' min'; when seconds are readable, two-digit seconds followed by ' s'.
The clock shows 9 h 26 min
